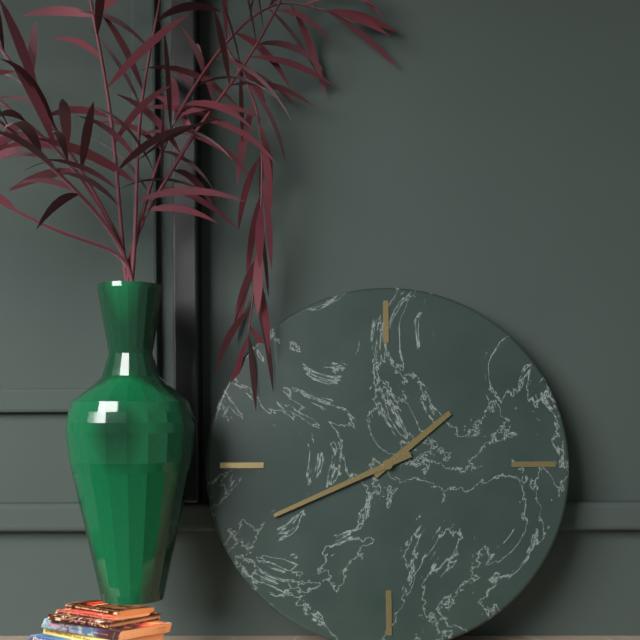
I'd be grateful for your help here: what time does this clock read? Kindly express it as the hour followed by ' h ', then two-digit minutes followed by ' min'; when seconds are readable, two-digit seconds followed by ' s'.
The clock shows 1 h 41 min
